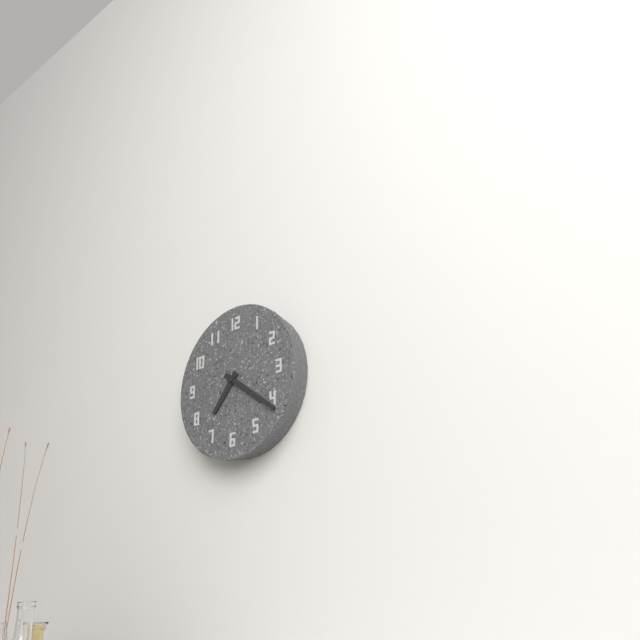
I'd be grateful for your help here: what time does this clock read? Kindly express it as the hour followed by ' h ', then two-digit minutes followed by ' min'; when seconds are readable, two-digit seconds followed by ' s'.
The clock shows 7 h 21 min
